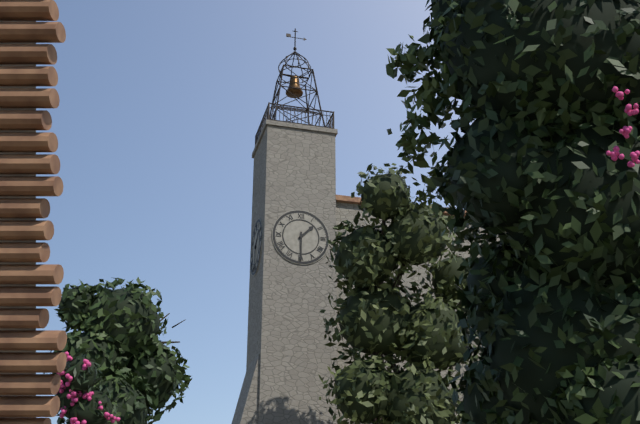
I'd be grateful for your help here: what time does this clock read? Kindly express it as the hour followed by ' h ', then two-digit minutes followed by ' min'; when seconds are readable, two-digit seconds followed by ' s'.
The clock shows 1 h 30 min
